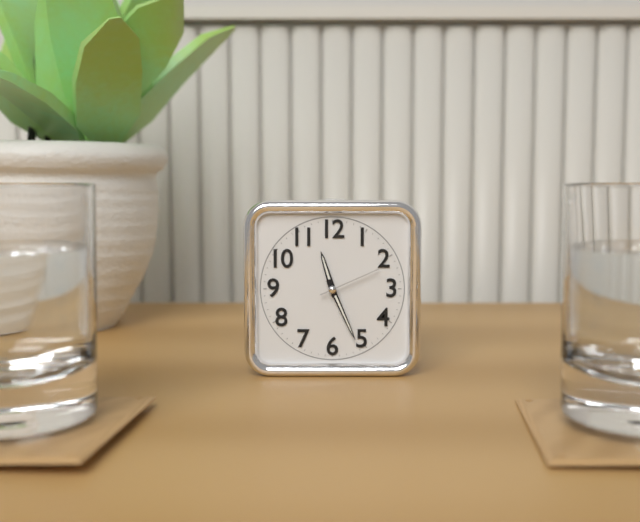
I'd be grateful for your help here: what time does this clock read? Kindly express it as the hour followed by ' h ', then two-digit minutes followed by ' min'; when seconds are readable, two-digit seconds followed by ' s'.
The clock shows 11 h 26 min 11 s
